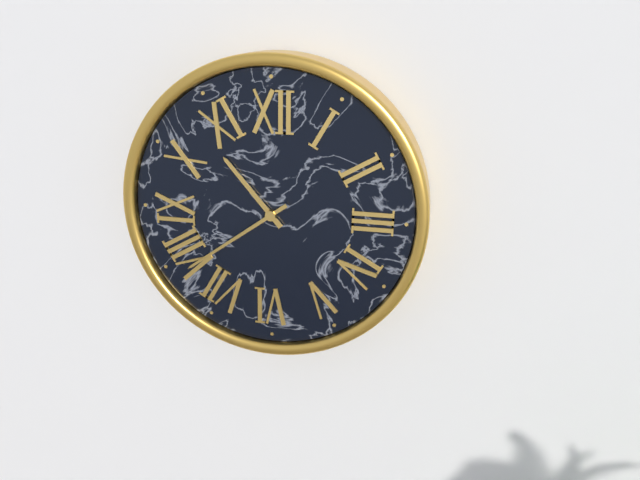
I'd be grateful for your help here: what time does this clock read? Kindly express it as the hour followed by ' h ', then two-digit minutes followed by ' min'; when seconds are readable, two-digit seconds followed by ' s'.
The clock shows 10 h 39 min
